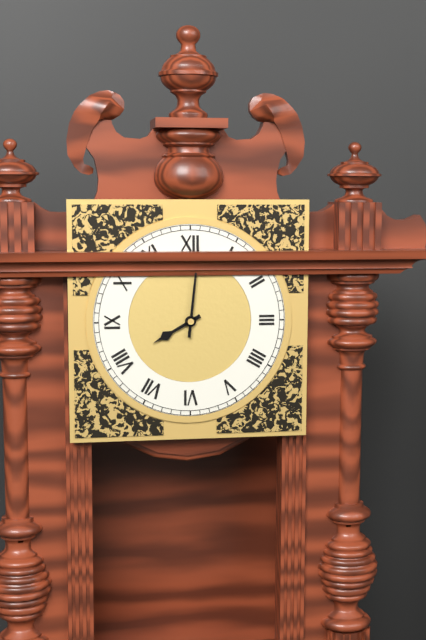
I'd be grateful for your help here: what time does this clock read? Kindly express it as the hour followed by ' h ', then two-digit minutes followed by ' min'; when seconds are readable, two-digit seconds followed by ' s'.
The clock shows 8 h 01 min
